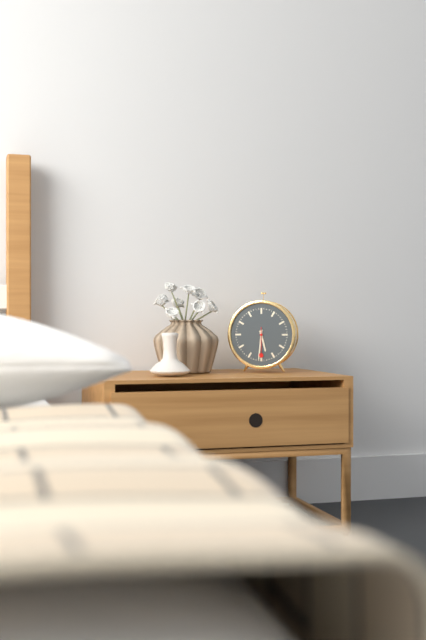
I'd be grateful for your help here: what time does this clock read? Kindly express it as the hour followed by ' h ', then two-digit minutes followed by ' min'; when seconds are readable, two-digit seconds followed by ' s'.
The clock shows 5 h 31 min
